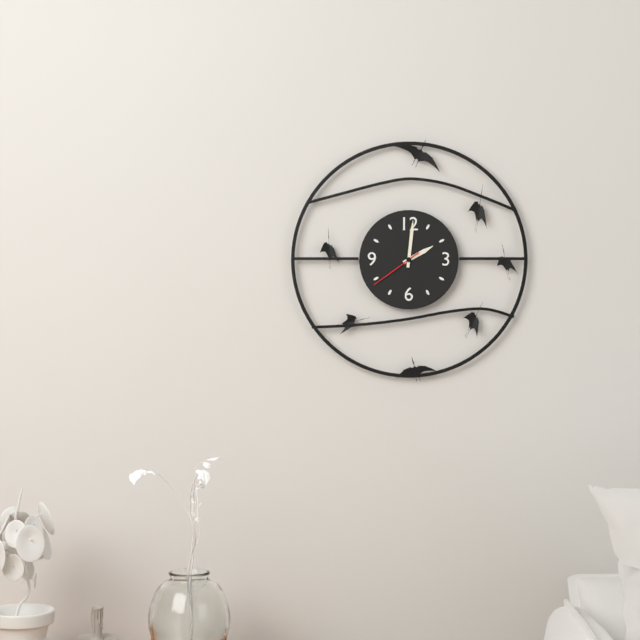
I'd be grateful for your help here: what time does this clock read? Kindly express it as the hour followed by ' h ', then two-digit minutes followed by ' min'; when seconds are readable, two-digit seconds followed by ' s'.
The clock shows 2 h 01 min 39 s
